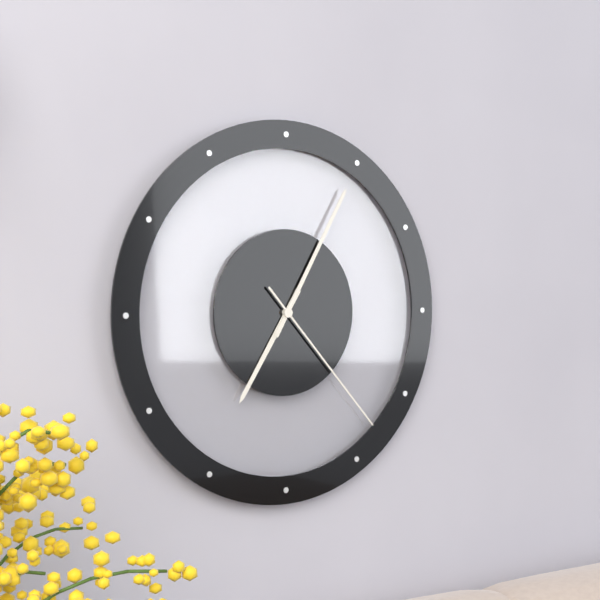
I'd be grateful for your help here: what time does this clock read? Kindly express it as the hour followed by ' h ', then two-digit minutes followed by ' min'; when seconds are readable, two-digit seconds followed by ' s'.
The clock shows 7 h 05 min 23 s
